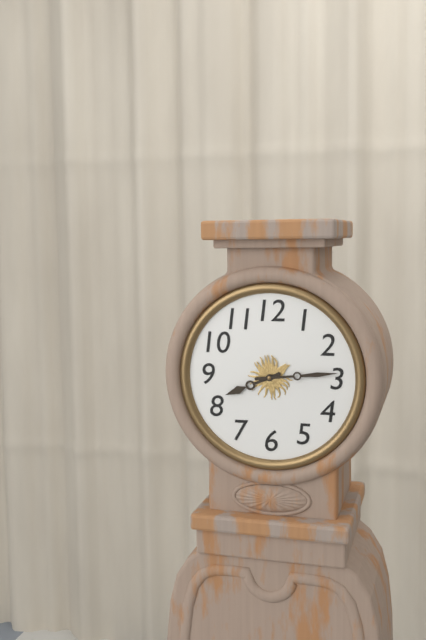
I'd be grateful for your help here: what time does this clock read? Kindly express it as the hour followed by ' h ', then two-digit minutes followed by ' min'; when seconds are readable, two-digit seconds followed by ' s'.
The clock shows 8 h 14 min
